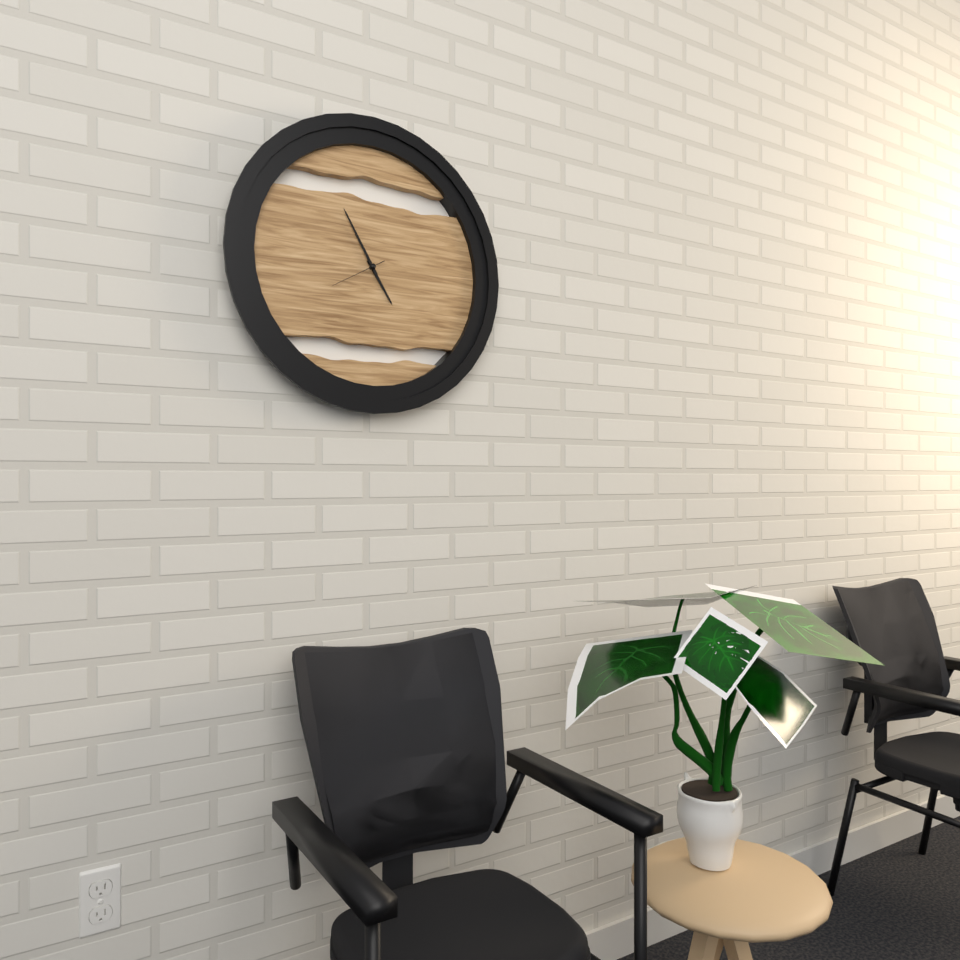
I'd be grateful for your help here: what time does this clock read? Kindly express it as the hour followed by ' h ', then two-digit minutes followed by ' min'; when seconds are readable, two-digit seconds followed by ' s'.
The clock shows 4 h 55 min
